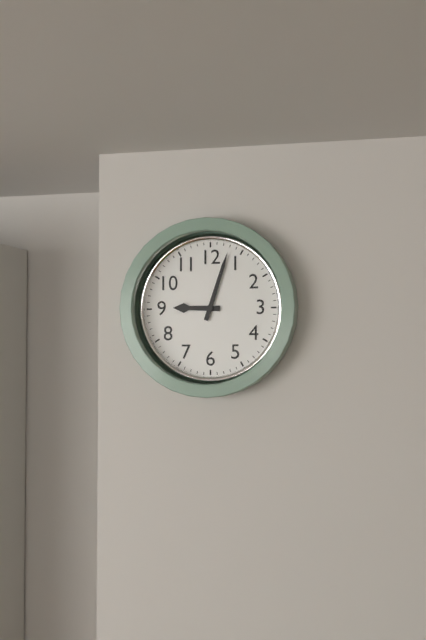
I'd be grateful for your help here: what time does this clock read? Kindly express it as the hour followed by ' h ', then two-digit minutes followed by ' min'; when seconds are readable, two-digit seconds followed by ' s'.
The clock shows 9 h 03 min
